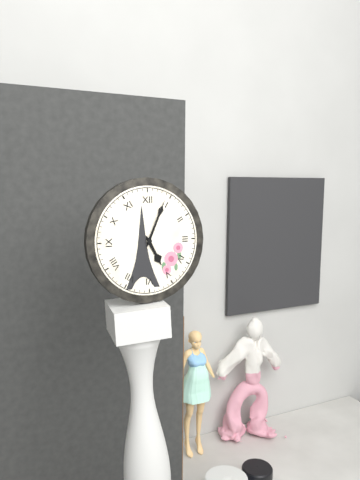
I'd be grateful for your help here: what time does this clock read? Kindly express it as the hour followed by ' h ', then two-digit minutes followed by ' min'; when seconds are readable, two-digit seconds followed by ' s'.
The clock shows 5 h 04 min
